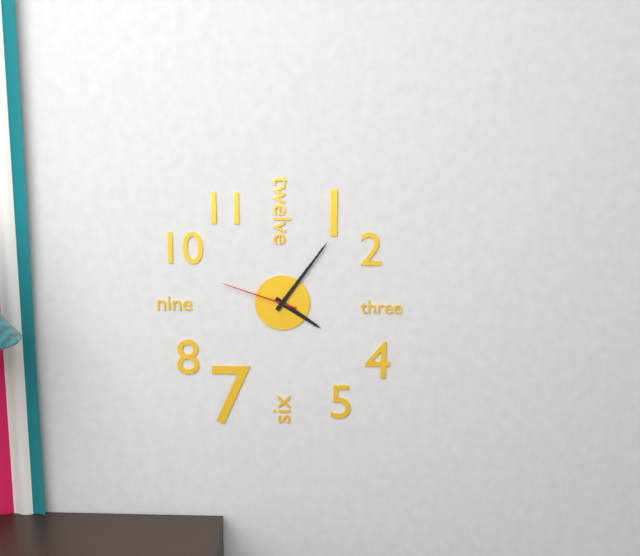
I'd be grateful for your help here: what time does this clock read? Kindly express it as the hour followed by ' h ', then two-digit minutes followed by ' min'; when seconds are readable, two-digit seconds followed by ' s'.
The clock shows 4 h 06 min 48 s
